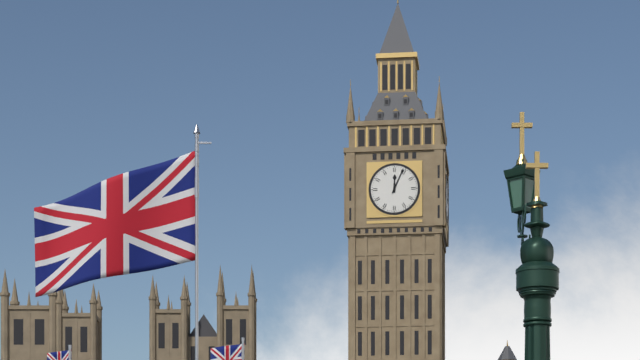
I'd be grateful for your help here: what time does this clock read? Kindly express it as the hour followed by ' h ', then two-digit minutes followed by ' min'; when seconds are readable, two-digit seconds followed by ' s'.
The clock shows 12 h 04 min
